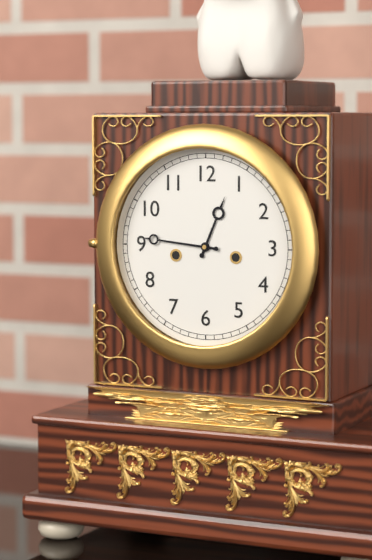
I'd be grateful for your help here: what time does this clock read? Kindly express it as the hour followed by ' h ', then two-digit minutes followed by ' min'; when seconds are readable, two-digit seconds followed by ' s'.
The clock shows 12 h 46 min
